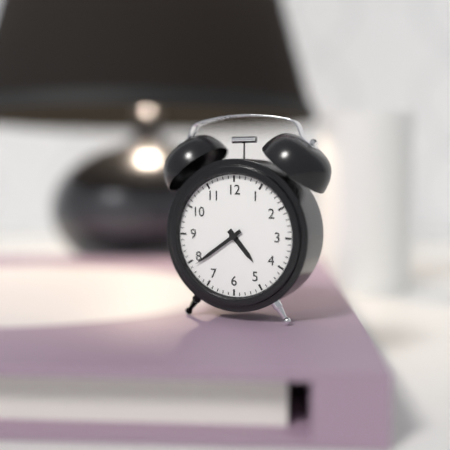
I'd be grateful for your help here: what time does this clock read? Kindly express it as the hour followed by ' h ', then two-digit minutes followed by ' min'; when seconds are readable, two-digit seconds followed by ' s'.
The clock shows 4 h 39 min
